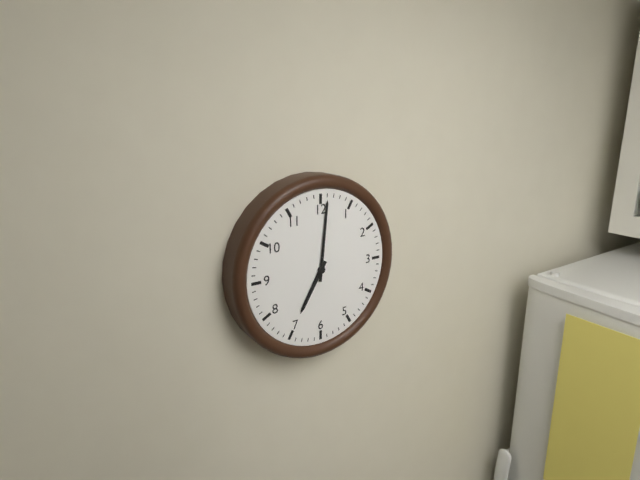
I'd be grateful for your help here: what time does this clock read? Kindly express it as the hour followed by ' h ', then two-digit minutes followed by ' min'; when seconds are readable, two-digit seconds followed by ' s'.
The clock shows 7 h 01 min
